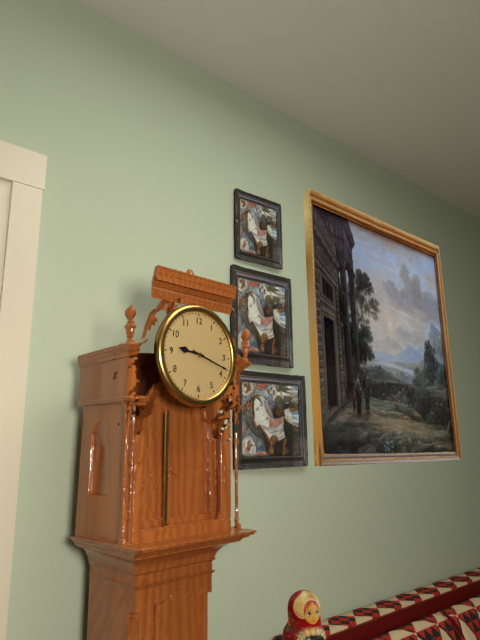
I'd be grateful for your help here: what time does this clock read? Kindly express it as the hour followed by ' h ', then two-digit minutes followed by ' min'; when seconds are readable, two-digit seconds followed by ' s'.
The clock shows 9 h 18 min
